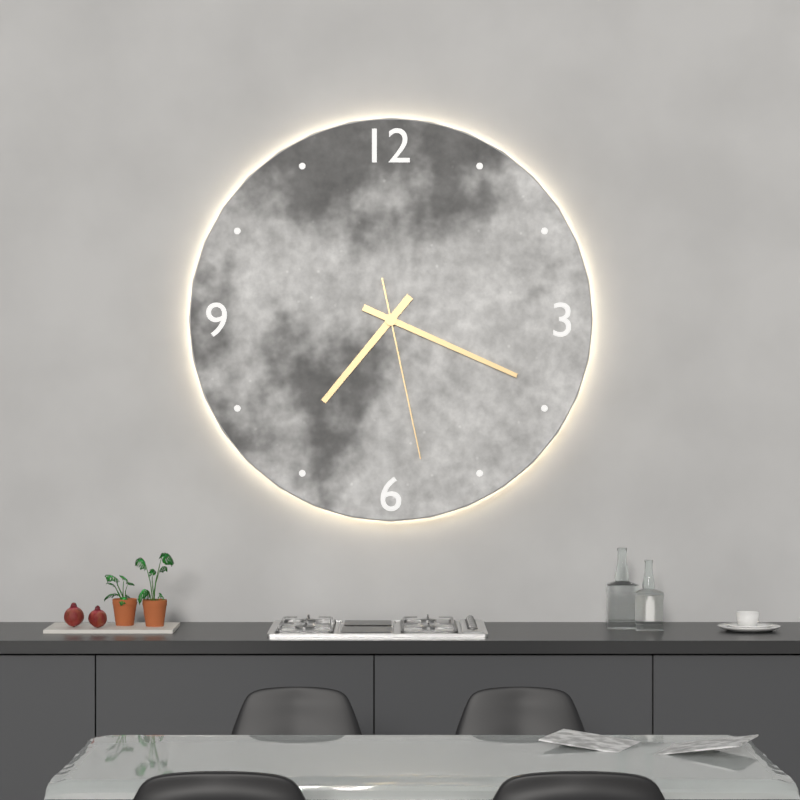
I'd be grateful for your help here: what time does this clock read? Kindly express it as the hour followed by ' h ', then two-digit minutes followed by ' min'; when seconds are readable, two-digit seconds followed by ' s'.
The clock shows 7 h 19 min 28 s
